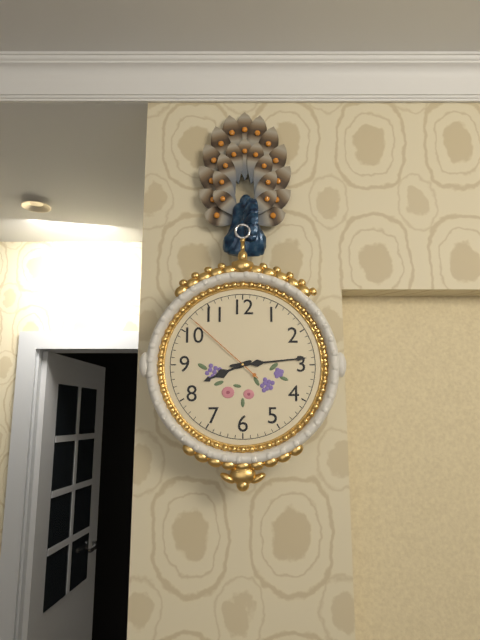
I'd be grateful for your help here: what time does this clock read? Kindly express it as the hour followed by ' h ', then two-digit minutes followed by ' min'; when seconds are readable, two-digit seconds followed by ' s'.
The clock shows 8 h 14 min 52 s
